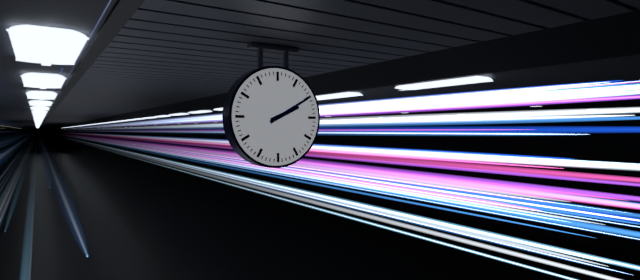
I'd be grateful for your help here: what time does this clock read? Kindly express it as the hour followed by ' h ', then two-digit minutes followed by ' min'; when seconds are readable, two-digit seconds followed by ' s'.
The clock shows 2 h 10 min
